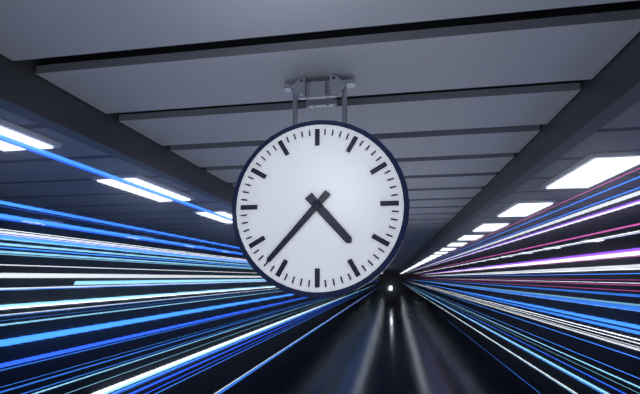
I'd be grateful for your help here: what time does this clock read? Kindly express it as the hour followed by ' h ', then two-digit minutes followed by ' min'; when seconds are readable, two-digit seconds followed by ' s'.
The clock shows 4 h 37 min
